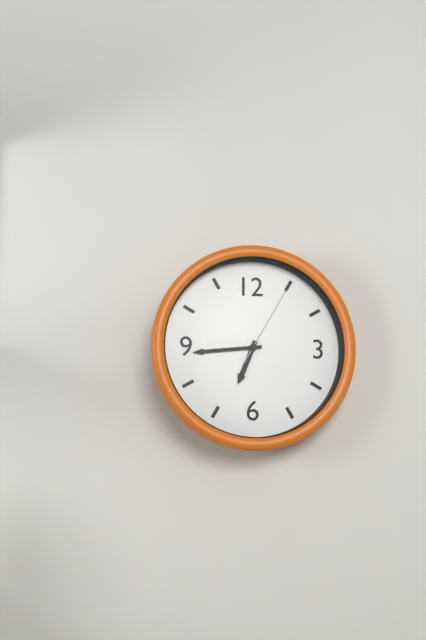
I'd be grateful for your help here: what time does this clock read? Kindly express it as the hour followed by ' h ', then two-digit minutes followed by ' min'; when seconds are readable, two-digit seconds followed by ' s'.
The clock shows 6 h 44 min 05 s
